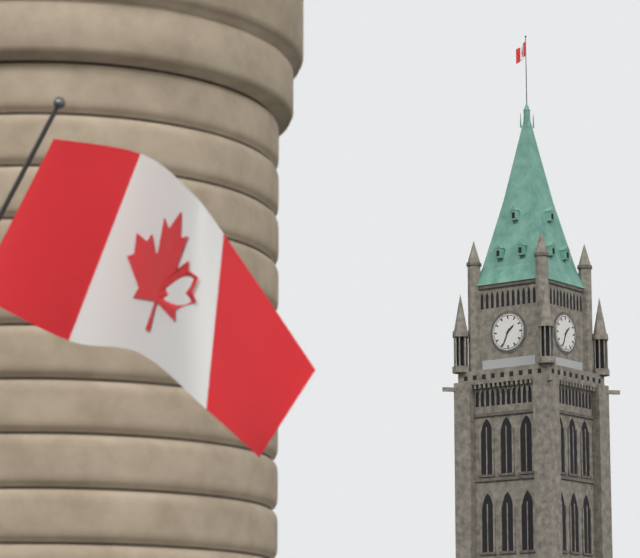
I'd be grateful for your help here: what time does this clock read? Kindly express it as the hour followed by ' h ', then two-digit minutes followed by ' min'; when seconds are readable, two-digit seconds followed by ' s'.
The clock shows 1 h 34 min
